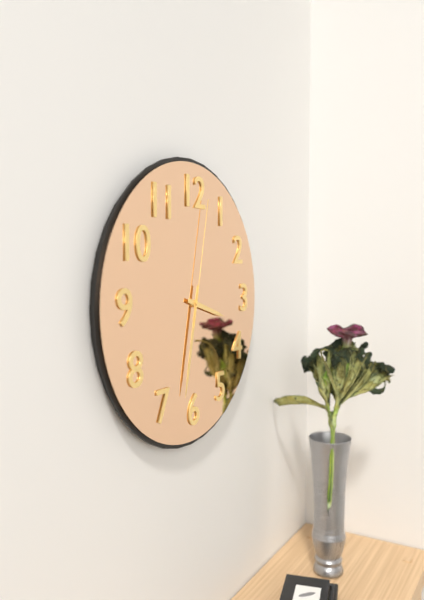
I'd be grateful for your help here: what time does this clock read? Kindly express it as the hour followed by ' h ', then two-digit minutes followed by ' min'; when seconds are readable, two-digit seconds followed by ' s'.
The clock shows 3 h 32 min 02 s
